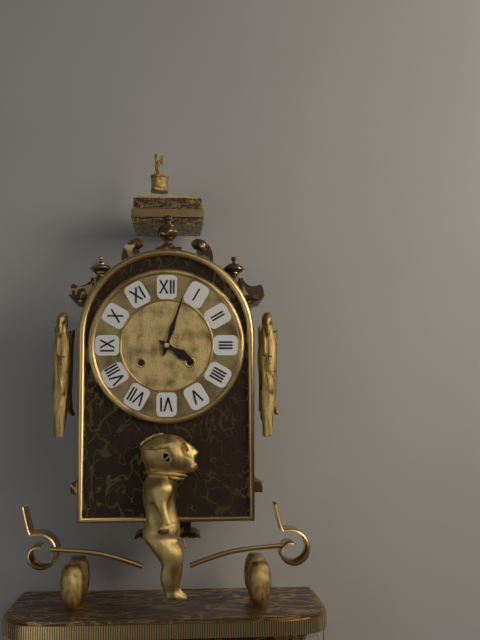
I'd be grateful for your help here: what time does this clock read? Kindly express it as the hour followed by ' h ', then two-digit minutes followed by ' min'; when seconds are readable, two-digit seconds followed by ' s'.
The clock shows 4 h 03 min
